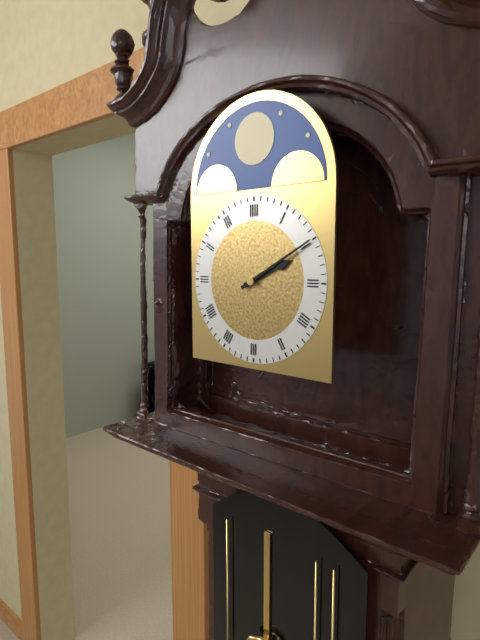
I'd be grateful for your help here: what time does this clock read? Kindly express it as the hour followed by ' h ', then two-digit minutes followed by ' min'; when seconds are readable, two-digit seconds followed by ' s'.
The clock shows 2 h 10 min
